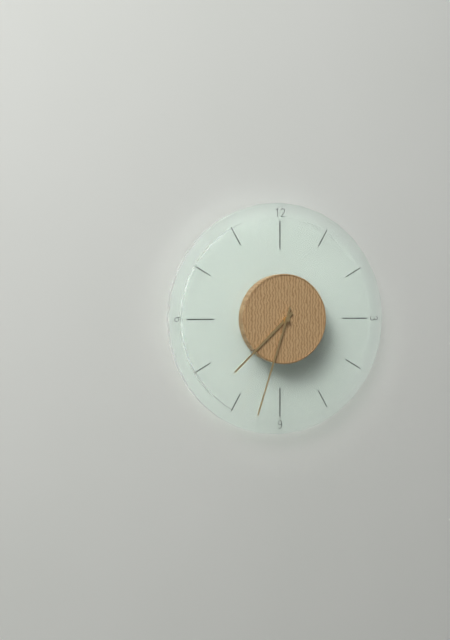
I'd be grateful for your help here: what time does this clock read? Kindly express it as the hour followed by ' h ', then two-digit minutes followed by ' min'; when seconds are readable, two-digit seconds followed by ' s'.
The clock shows 7 h 33 min
